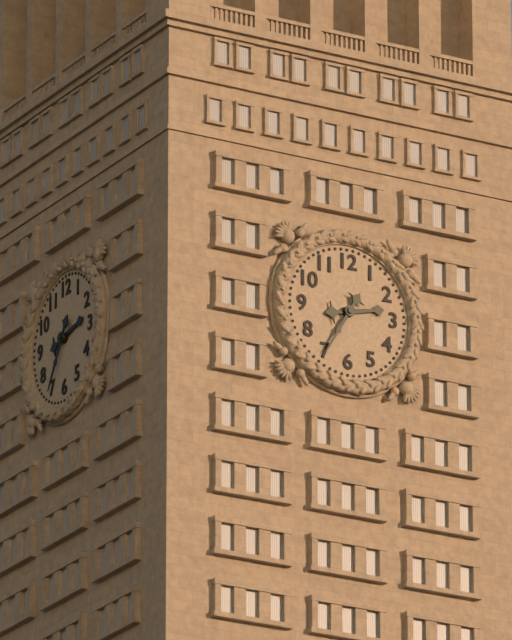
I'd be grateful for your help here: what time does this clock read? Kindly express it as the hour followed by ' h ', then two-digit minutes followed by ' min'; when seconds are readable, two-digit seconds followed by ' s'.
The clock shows 2 h 35 min
